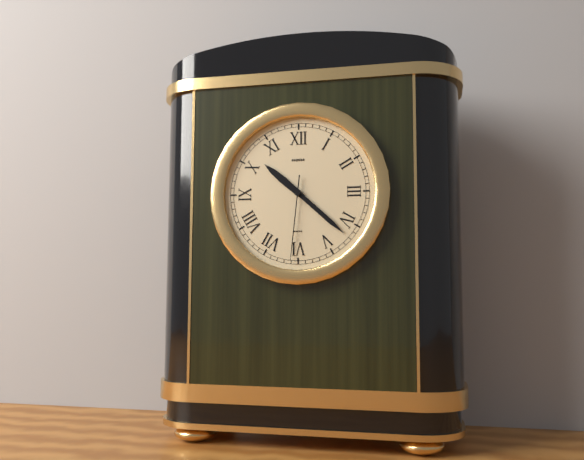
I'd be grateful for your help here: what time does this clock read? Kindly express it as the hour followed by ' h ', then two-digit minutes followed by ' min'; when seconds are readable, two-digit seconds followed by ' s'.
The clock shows 10 h 22 min 31 s
